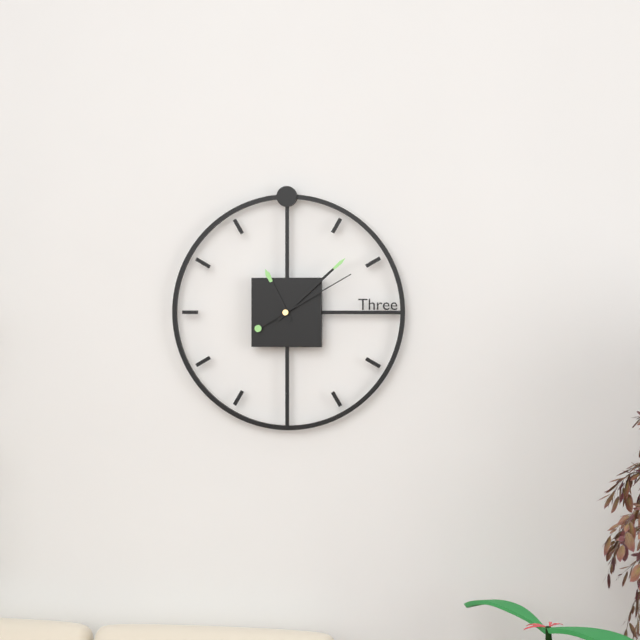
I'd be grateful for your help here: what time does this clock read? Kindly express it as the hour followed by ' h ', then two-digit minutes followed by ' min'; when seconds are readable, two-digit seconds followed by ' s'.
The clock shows 11 h 08 min 10 s
